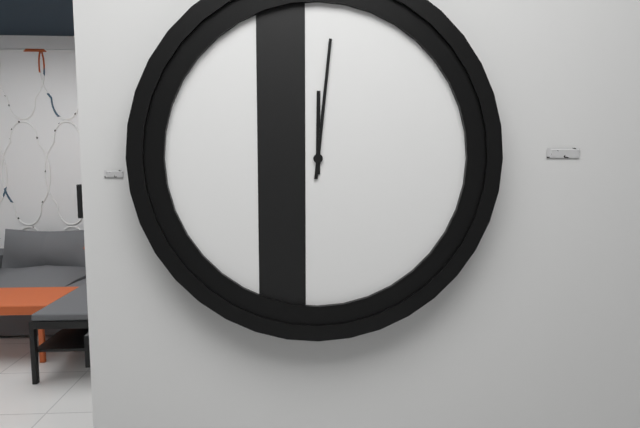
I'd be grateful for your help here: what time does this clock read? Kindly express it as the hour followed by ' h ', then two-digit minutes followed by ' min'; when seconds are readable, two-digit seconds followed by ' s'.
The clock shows 12 h 01 min
